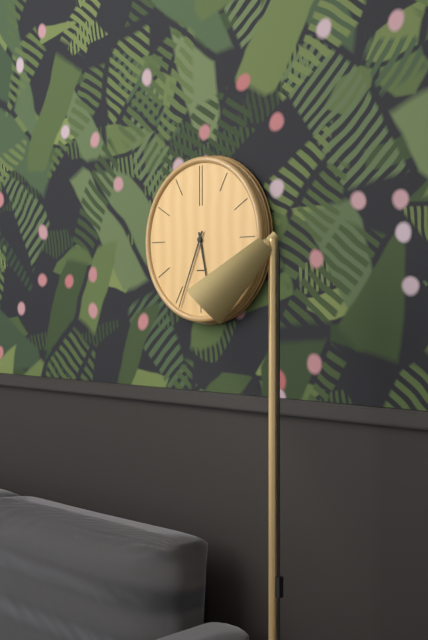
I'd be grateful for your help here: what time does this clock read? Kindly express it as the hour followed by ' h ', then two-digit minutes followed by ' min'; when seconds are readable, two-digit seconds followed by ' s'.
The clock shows 5 h 34 min
